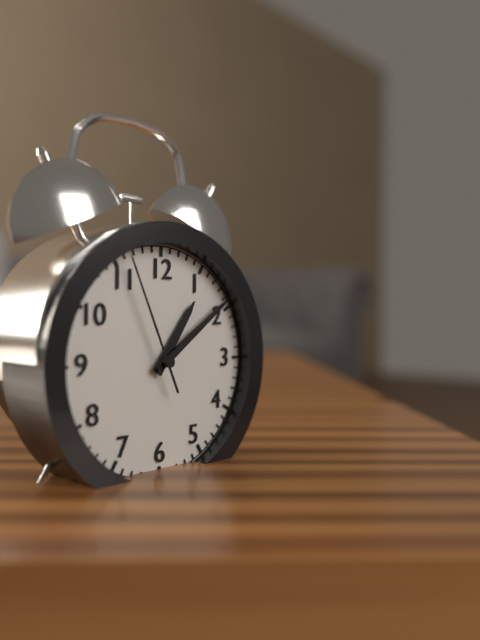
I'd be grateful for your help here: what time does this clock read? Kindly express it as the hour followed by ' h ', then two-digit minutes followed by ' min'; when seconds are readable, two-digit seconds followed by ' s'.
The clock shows 1 h 09 min 56 s
